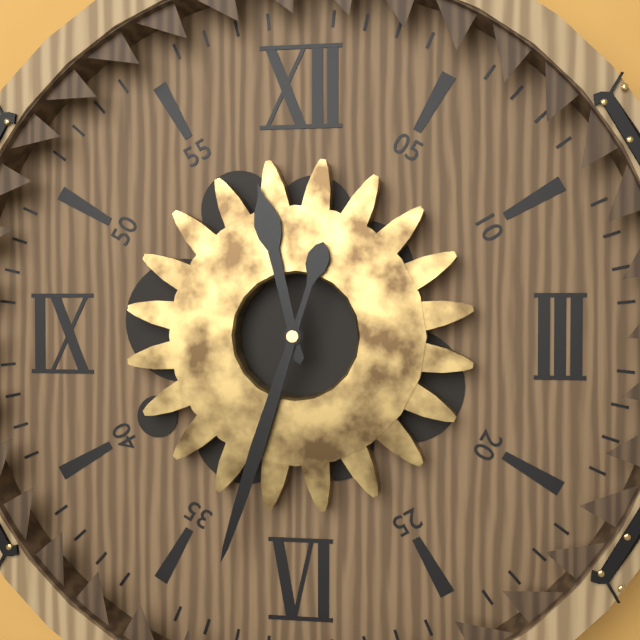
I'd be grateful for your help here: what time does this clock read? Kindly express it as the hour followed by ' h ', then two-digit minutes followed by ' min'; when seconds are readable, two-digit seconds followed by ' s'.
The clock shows 11 h 33 min
